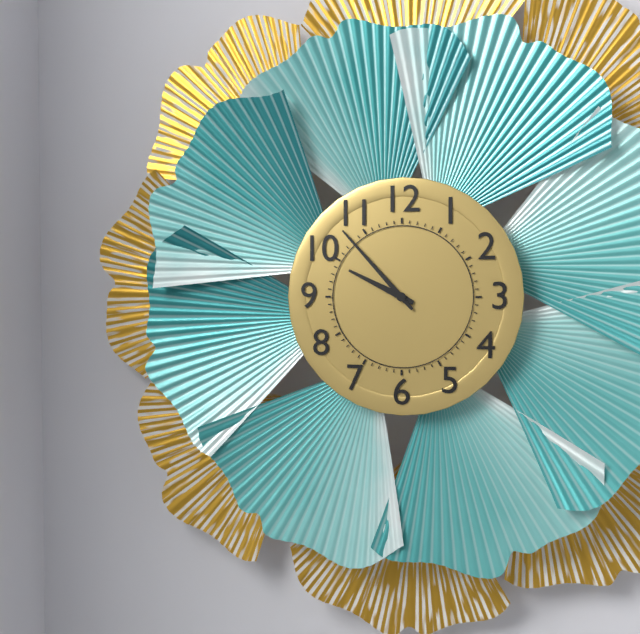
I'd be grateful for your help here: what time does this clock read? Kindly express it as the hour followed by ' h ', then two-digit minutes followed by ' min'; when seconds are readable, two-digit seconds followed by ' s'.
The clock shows 9 h 53 min
